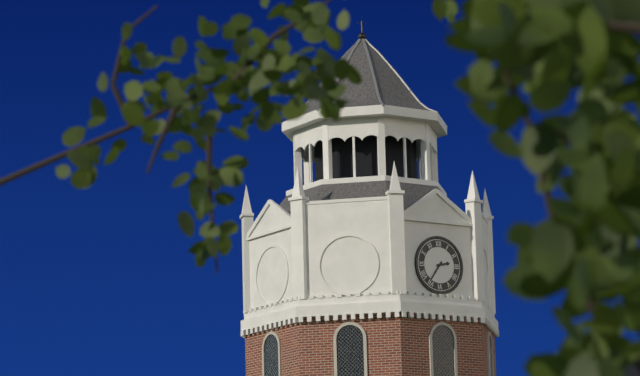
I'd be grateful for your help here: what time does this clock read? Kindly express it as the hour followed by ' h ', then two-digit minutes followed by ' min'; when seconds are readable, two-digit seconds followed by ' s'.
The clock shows 2 h 36 min
